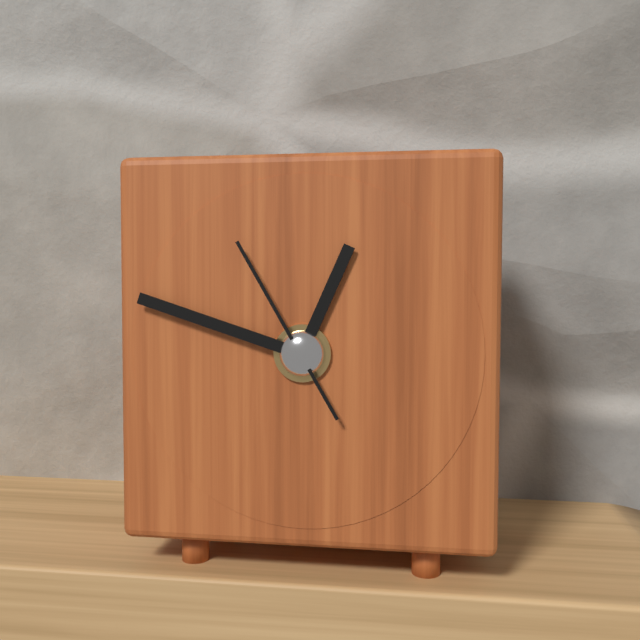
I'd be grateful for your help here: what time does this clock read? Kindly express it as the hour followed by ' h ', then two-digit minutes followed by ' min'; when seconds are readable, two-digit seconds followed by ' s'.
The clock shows 12 h 48 min 55 s
